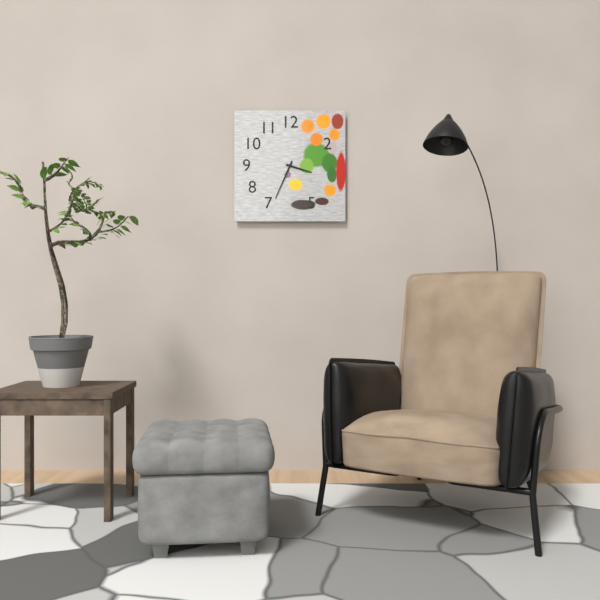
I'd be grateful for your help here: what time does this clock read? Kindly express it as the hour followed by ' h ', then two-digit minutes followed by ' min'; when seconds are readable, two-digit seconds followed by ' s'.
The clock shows 3 h 34 min
